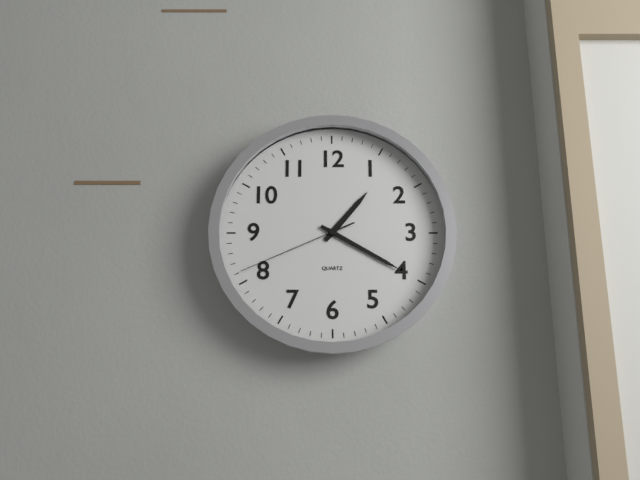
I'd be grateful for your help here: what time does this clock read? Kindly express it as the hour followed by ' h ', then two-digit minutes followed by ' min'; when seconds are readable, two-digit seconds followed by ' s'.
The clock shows 1 h 20 min 41 s
